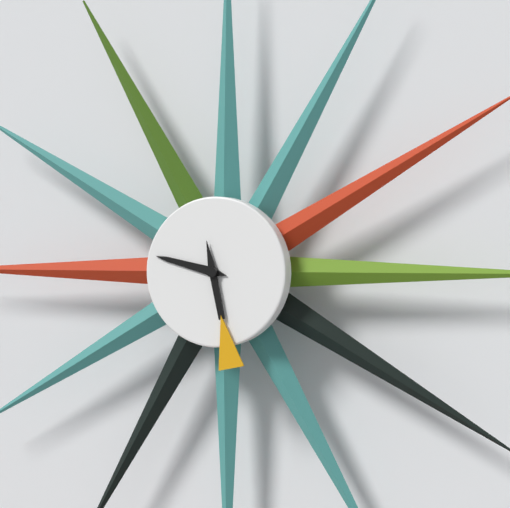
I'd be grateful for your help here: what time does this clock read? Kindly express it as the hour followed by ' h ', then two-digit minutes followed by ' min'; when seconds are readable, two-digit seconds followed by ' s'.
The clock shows 9 h 28 min
